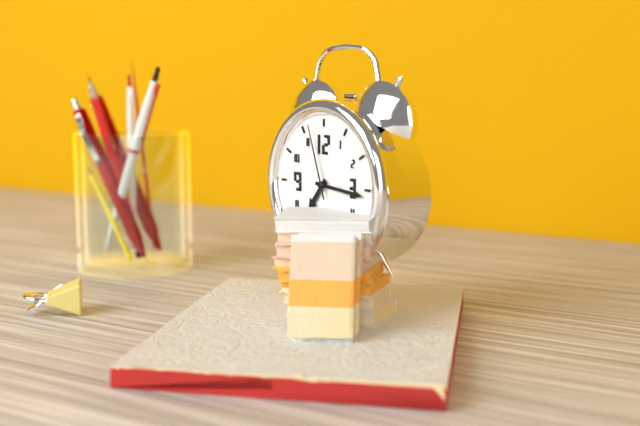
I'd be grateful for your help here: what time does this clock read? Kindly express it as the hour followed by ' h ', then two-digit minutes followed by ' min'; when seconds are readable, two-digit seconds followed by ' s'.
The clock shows 7 h 16 min 57 s
